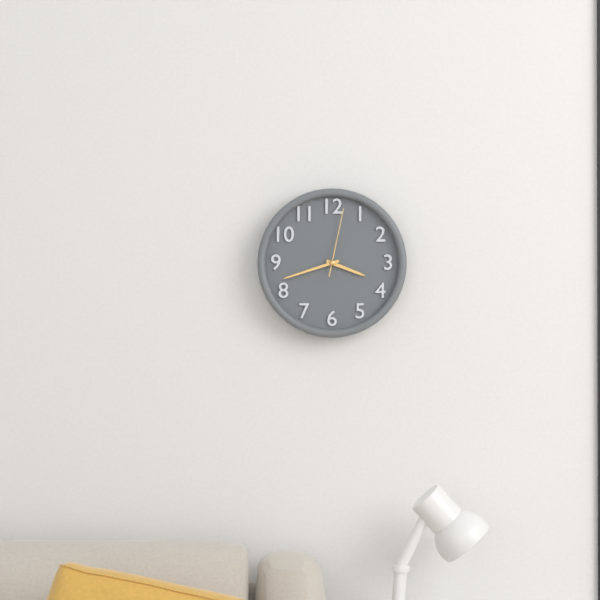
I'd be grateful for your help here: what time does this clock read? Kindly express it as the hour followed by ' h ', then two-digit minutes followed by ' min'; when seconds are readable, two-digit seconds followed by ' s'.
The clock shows 3 h 42 min 02 s
